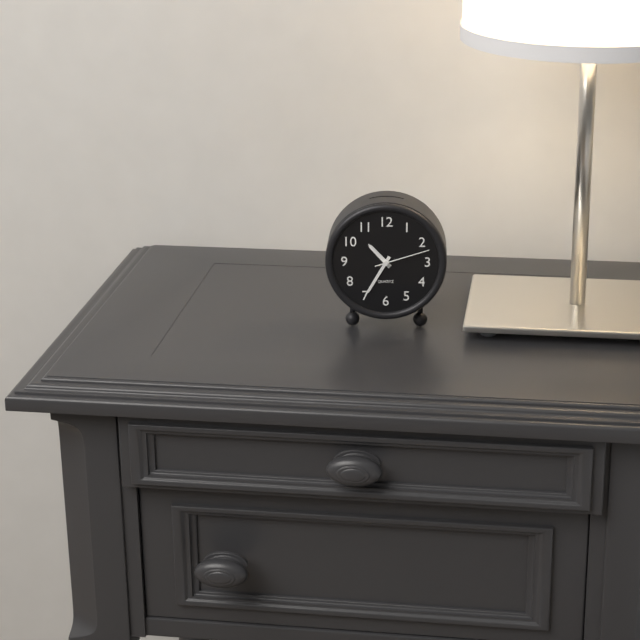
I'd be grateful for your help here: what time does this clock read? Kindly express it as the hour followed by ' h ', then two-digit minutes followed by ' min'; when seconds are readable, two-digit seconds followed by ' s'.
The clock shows 10 h 35 min 12 s
